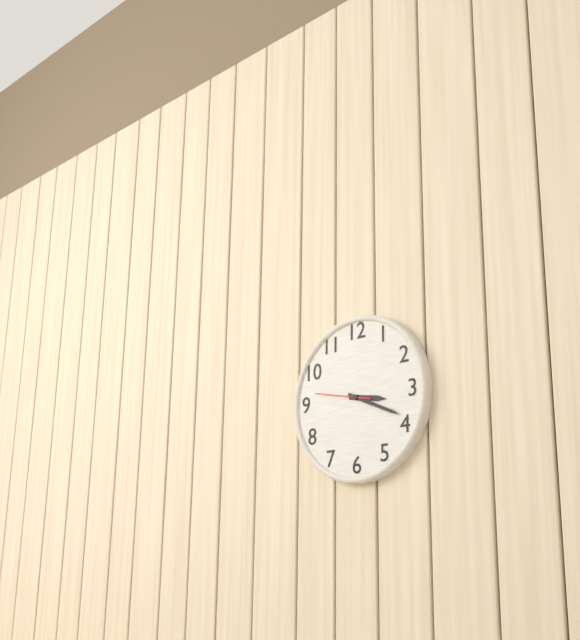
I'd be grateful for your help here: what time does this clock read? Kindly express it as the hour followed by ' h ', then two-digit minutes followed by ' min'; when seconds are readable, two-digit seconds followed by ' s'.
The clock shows 3 h 19 min 47 s
